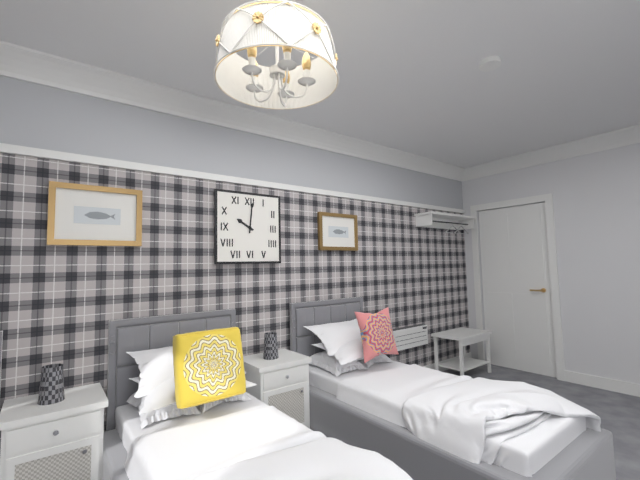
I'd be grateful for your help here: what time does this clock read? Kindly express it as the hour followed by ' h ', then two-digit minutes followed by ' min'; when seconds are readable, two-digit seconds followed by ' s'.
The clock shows 10 h 01 min
